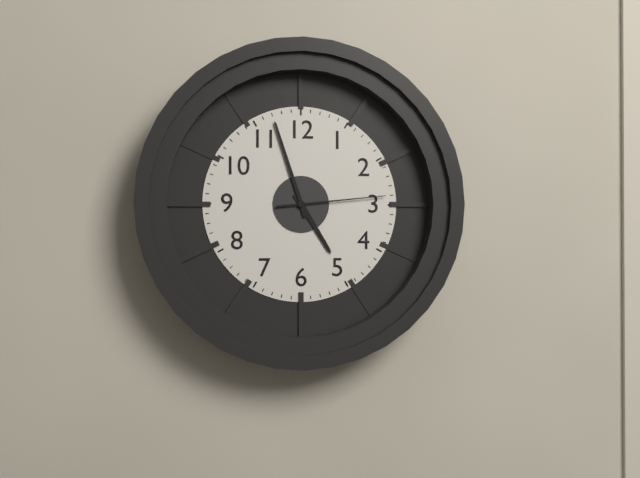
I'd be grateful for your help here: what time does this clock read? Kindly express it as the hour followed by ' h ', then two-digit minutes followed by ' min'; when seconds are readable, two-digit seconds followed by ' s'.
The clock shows 4 h 57 min 14 s
